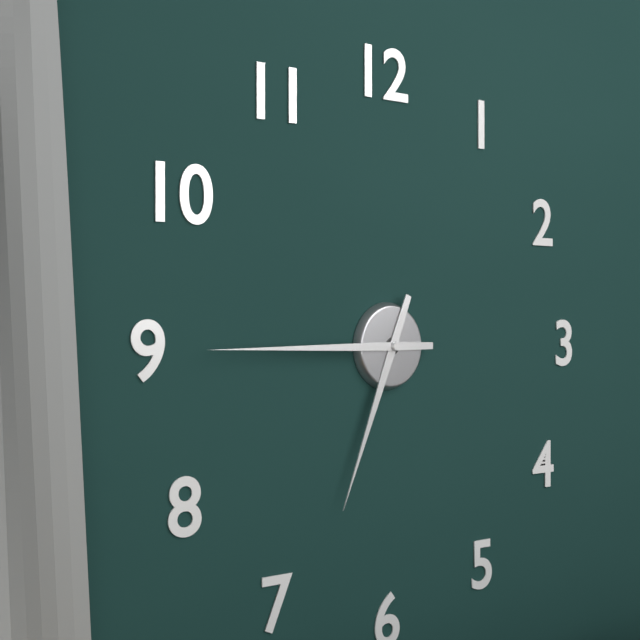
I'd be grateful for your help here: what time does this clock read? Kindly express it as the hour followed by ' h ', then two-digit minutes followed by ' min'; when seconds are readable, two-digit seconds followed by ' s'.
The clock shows 6 h 45 min
